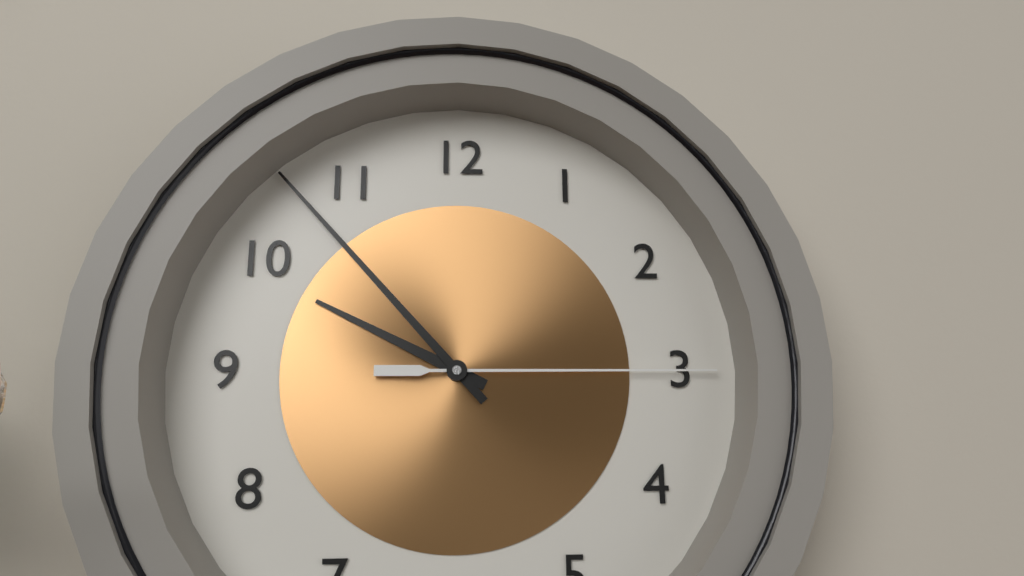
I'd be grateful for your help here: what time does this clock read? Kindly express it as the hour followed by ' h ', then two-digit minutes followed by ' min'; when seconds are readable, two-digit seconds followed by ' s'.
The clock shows 9 h 53 min 15 s
